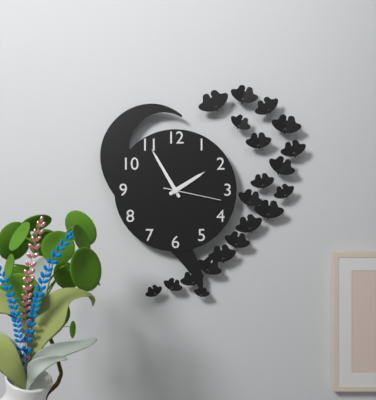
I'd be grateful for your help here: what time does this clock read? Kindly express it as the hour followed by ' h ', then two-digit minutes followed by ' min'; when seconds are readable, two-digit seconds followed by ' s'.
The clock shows 1 h 55 min 17 s
